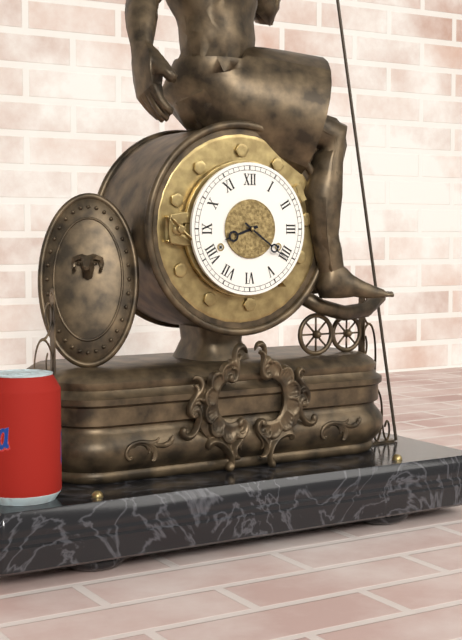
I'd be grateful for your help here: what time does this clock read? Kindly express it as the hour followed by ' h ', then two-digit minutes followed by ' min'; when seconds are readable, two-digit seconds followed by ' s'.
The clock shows 8 h 21 min
